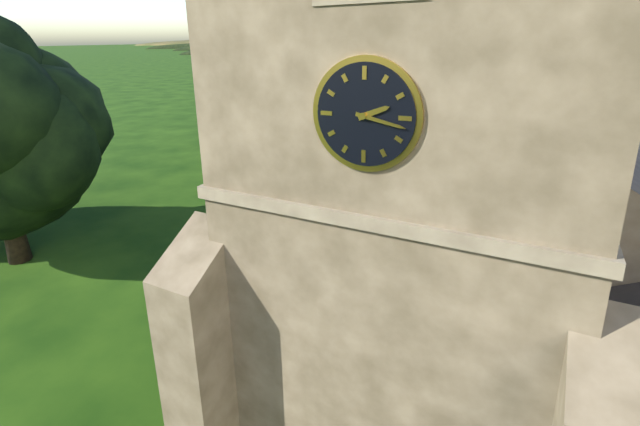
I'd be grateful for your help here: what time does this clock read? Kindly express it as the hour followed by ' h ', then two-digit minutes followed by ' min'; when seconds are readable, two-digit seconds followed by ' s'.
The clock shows 2 h 17 min
